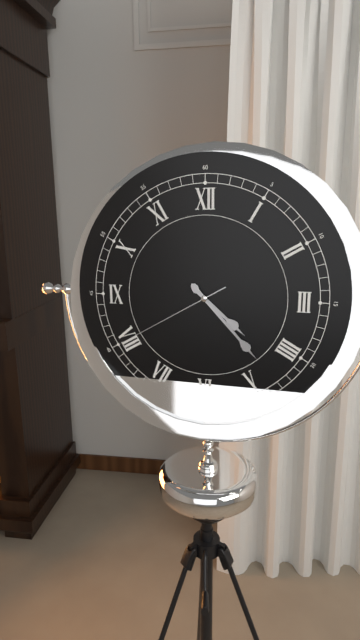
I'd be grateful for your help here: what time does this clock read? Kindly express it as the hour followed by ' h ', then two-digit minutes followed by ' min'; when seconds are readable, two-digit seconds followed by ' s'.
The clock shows 4 h 23 min 40 s
